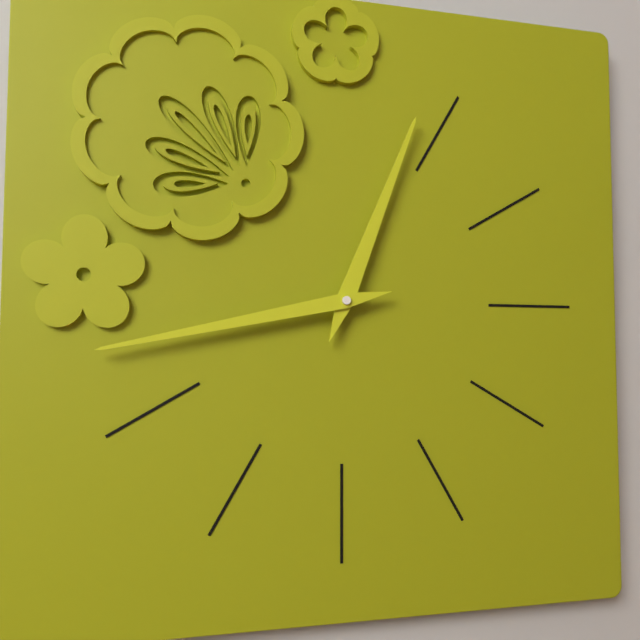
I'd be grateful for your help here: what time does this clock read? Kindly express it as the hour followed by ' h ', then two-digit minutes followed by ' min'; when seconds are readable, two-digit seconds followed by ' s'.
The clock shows 12 h 43 min
